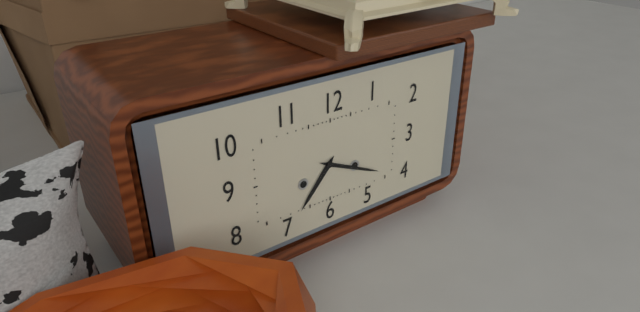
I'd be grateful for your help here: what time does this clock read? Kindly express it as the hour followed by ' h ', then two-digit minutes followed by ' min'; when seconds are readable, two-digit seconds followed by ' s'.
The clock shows 7 h 19 min
